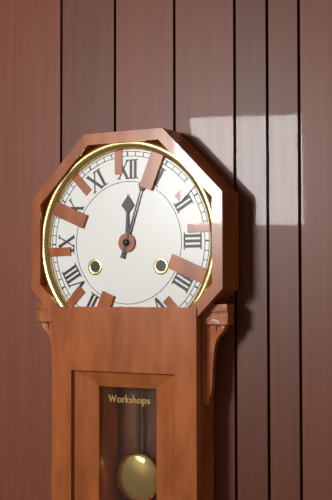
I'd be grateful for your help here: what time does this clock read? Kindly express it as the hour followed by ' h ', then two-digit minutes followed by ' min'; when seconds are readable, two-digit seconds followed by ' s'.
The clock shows 12 h 03 min
